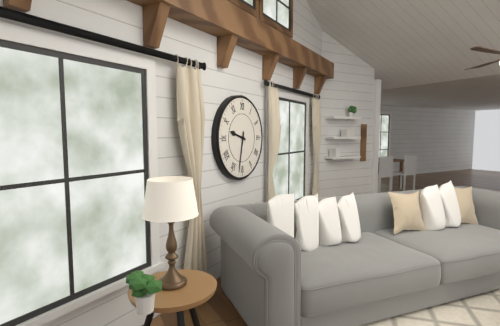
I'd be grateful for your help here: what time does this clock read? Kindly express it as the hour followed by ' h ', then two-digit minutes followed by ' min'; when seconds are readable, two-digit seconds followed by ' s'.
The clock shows 9 h 32 min
